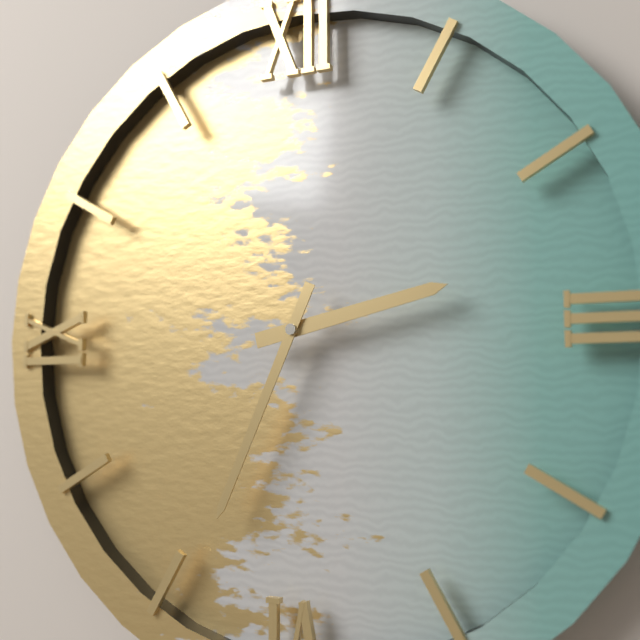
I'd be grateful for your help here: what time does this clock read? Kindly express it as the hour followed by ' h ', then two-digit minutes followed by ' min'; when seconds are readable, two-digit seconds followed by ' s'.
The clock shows 2 h 34 min
